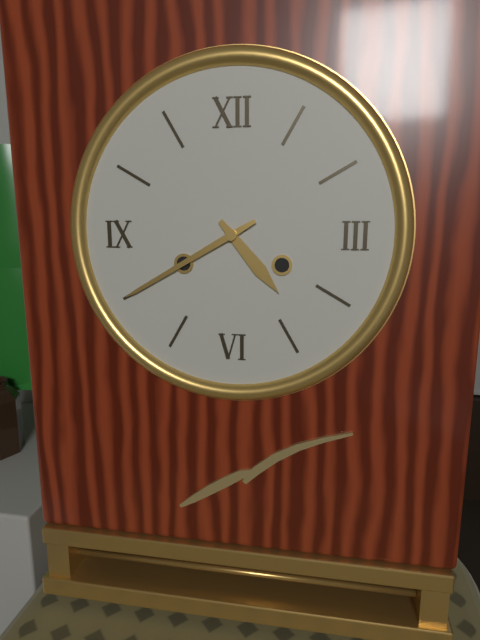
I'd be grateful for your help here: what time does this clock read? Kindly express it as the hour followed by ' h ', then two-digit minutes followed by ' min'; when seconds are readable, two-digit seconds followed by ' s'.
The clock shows 4 h 40 min
